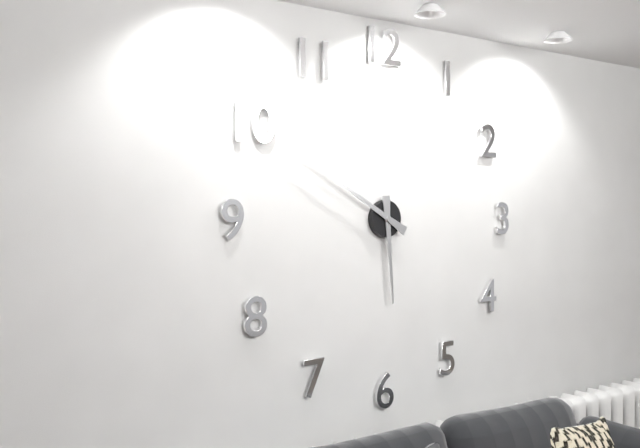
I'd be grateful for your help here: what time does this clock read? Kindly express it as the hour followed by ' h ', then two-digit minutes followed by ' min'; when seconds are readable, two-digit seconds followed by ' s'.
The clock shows 5 h 50 min
